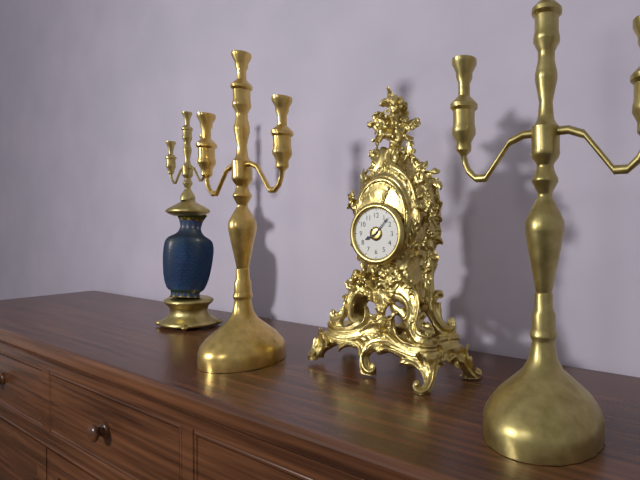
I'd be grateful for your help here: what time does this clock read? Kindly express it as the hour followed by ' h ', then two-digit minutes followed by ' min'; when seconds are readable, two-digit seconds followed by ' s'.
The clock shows 8 h 07 min
